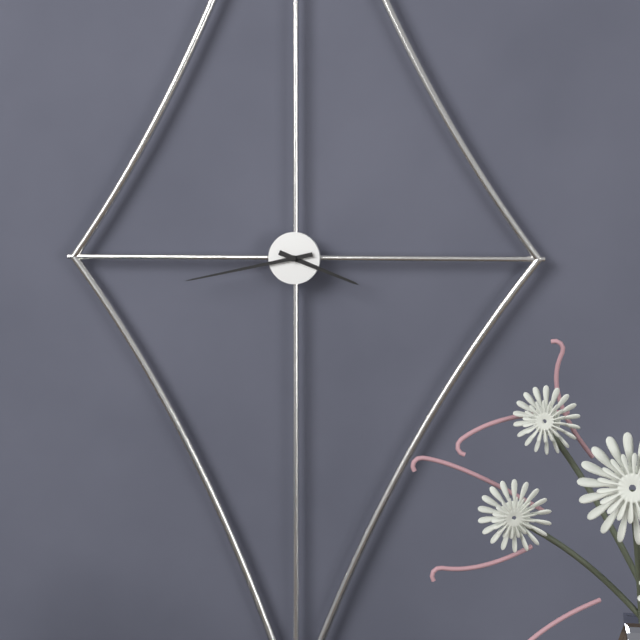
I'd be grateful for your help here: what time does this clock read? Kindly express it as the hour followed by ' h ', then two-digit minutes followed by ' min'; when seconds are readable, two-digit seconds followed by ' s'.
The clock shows 3 h 43 min
